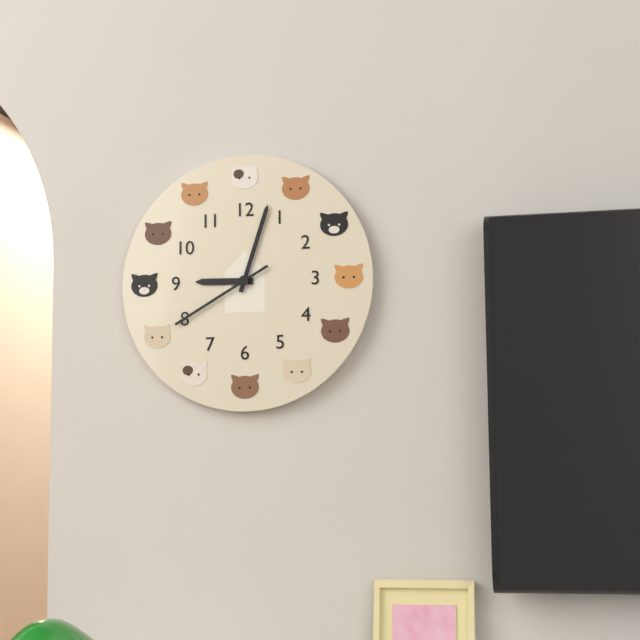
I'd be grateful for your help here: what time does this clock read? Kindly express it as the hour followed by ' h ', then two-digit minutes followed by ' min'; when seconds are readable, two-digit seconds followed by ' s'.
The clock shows 9 h 03 min 40 s
